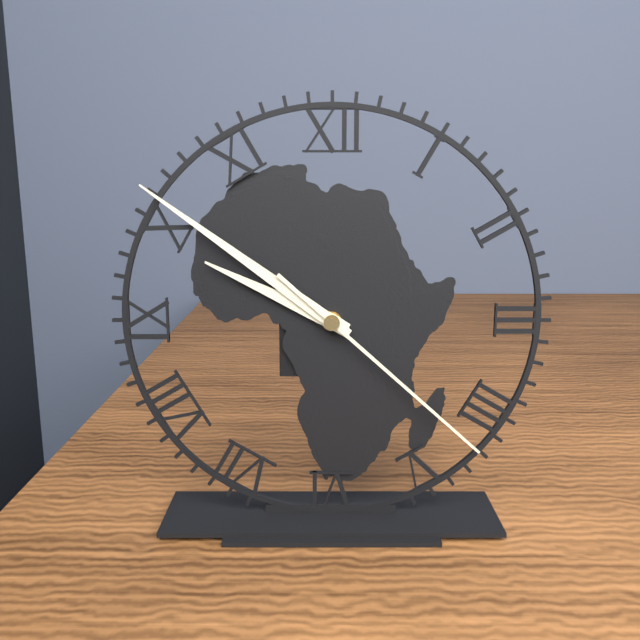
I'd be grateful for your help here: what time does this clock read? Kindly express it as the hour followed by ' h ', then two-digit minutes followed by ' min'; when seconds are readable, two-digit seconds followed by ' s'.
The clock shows 9 h 51 min 22 s
